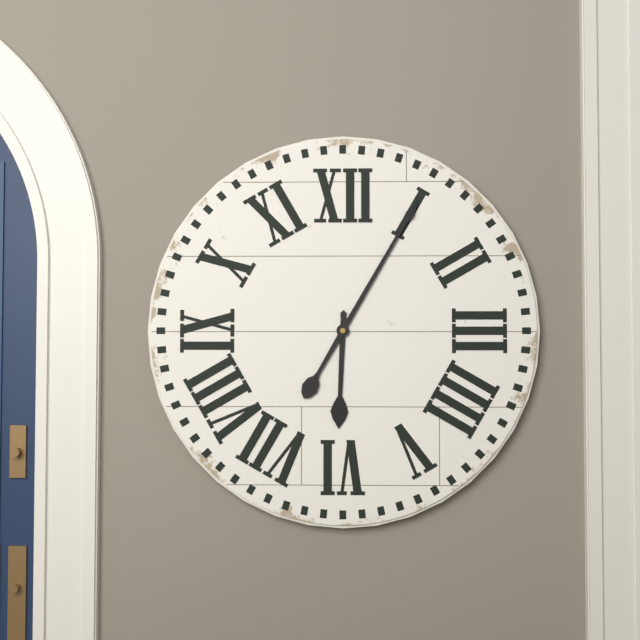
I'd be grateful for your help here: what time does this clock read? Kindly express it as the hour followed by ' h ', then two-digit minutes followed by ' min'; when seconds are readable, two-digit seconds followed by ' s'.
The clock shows 6 h 05 min
